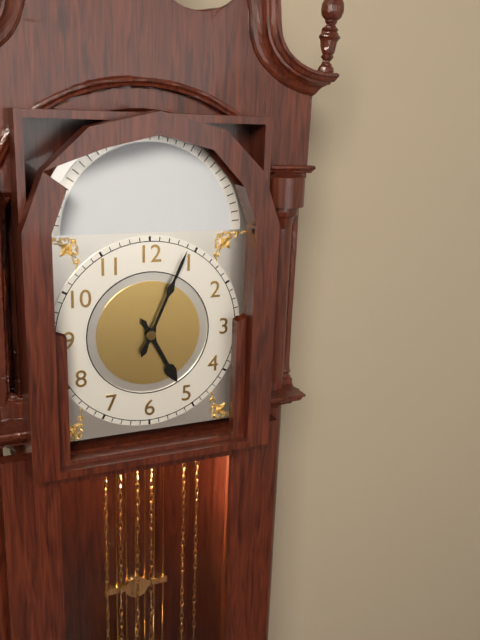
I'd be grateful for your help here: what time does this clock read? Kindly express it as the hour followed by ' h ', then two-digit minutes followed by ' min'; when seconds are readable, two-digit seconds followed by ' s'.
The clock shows 5 h 04 min
